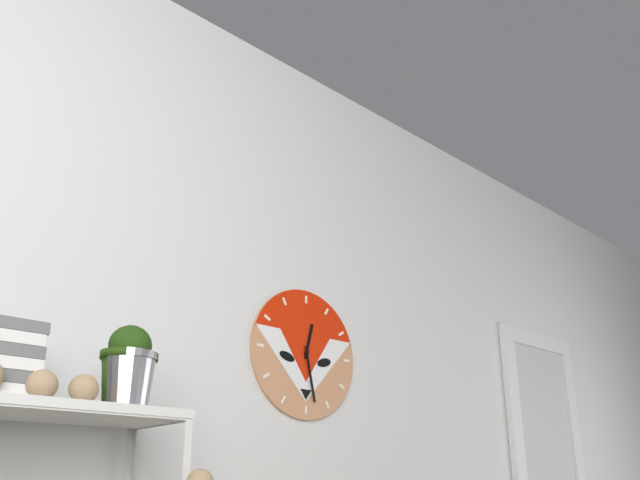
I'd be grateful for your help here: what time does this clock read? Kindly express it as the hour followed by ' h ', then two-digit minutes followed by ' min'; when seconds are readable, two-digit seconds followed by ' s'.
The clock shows 12 h 28 min
